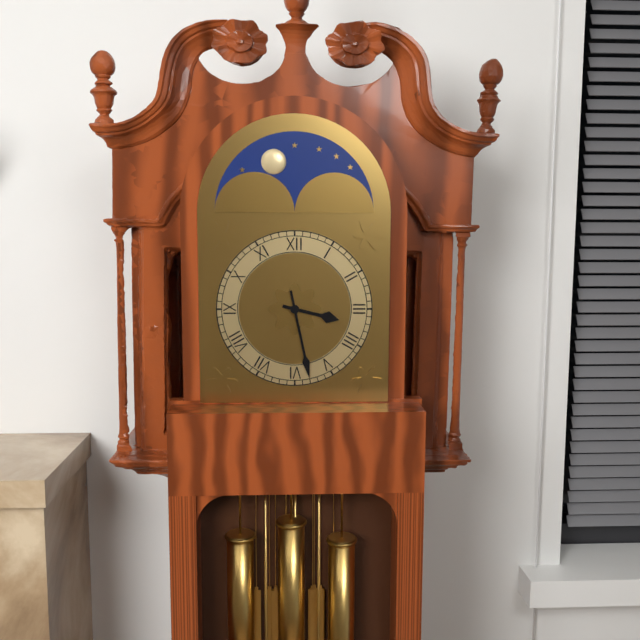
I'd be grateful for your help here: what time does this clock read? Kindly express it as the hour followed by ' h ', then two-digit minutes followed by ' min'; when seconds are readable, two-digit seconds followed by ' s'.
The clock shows 3 h 28 min
